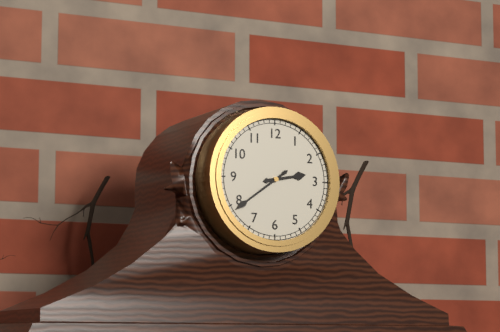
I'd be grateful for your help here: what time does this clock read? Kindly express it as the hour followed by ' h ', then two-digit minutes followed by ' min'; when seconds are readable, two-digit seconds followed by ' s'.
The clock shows 2 h 39 min
